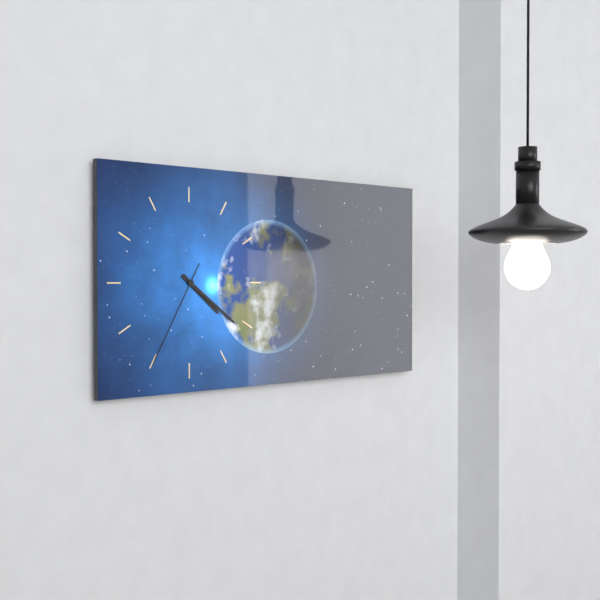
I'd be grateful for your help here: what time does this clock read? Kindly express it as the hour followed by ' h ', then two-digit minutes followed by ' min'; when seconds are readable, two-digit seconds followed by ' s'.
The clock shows 4 h 21 min 35 s
